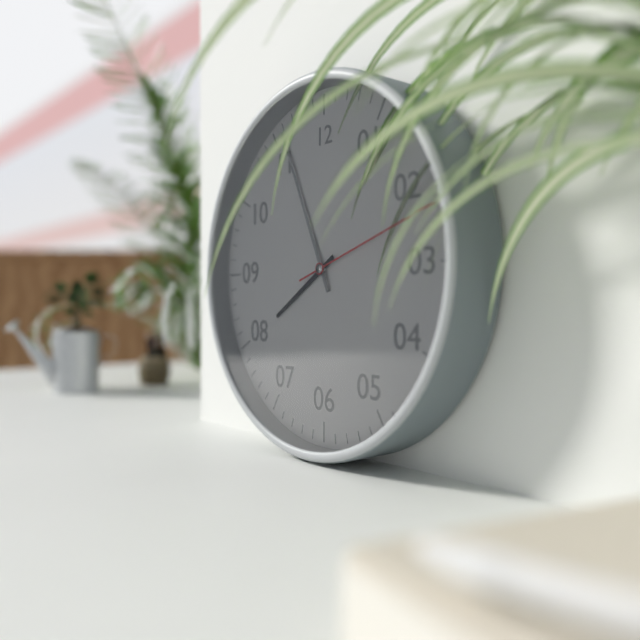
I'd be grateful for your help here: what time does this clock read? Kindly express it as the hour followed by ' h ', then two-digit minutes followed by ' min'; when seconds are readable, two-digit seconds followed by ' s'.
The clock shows 7 h 56 min 12 s
